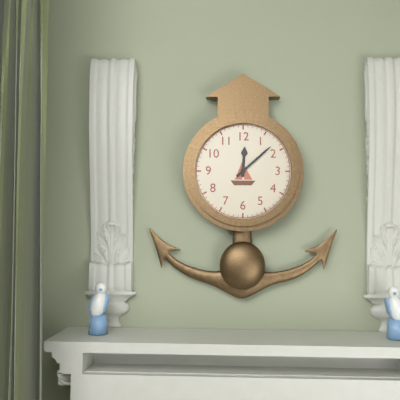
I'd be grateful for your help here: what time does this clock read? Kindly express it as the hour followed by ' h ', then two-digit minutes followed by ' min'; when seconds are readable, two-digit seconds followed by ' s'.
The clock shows 12 h 08 min
